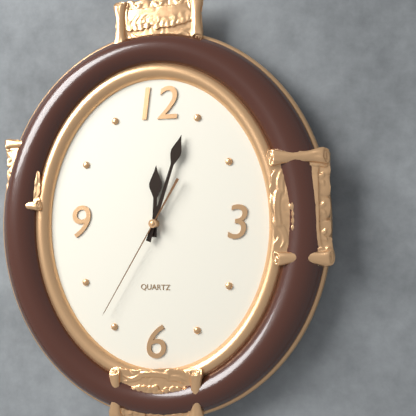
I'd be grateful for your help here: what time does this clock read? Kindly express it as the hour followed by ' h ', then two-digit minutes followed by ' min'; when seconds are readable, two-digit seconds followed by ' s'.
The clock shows 12 h 03 min 35 s
